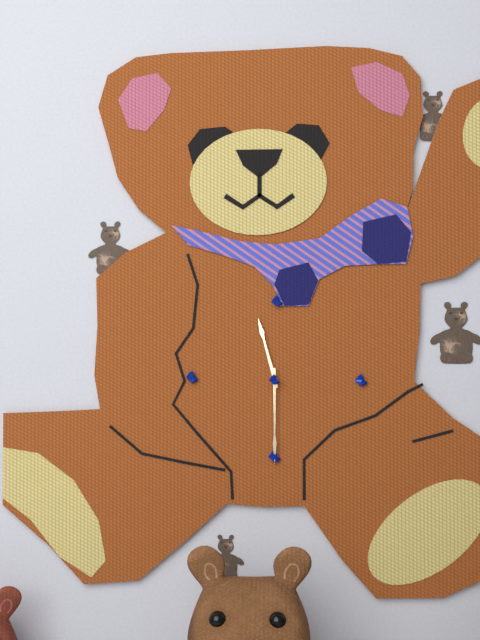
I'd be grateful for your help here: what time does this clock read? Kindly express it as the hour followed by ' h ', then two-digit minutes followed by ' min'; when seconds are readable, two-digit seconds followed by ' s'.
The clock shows 11 h 30 min
